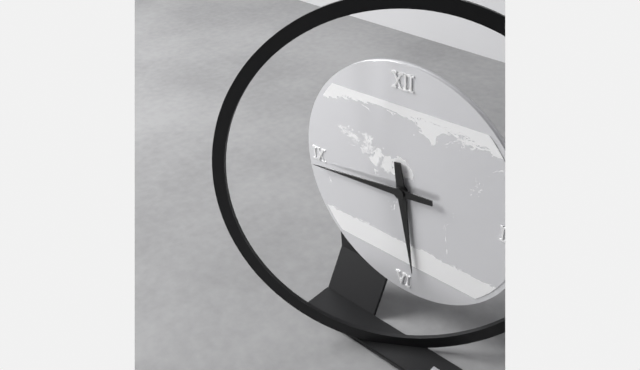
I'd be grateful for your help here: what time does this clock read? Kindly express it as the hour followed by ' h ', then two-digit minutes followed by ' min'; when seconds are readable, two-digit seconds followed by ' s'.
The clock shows 5 h 44 min
